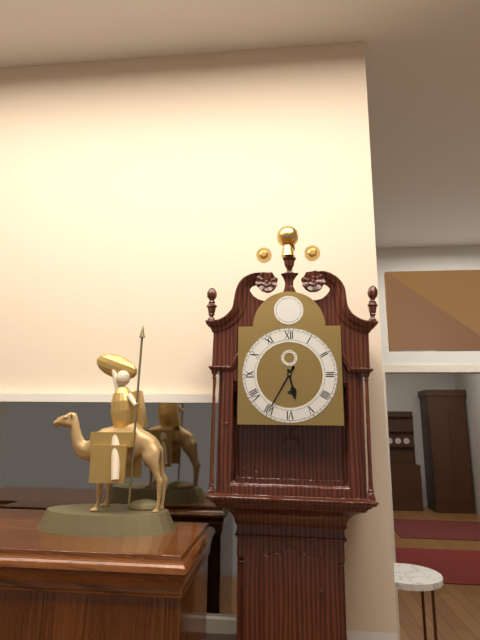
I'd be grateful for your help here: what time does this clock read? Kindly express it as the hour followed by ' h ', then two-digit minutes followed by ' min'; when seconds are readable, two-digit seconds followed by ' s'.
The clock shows 5 h 35 min
